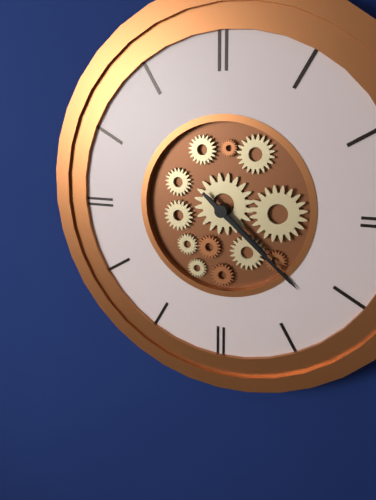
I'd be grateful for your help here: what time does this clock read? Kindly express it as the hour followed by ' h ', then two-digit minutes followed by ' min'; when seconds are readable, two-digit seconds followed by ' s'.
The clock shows 4 h 22 min
